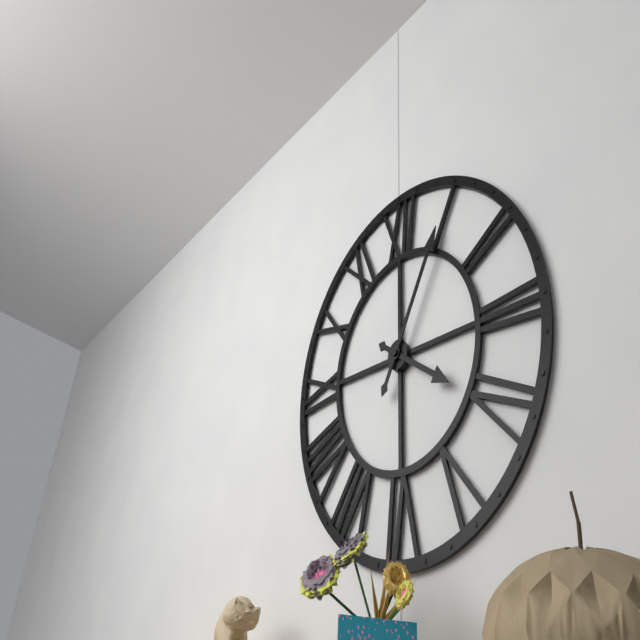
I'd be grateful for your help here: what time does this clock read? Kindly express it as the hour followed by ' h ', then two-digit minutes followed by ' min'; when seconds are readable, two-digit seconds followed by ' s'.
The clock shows 4 h 05 min
